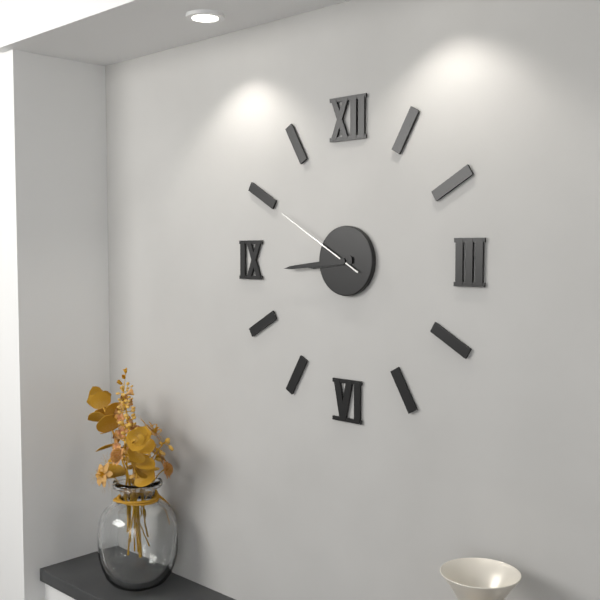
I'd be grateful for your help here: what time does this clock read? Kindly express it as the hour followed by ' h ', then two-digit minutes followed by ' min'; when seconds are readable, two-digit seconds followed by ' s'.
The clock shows 8 h 44 min 50 s
